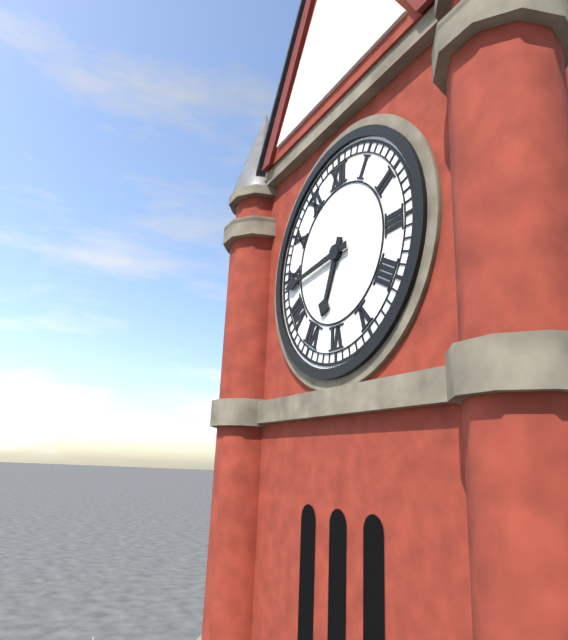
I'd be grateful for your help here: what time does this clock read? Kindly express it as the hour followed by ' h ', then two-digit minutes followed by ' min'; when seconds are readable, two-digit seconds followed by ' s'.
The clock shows 6 h 44 min
